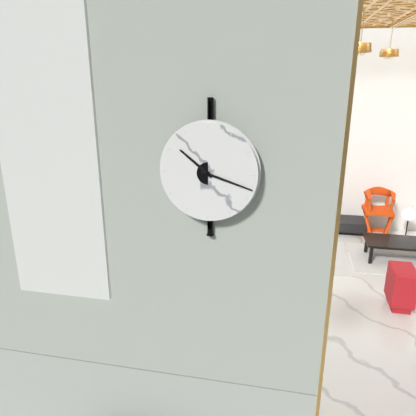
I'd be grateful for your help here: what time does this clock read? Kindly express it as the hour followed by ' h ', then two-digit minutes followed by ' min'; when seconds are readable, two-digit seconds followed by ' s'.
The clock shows 10 h 18 min
